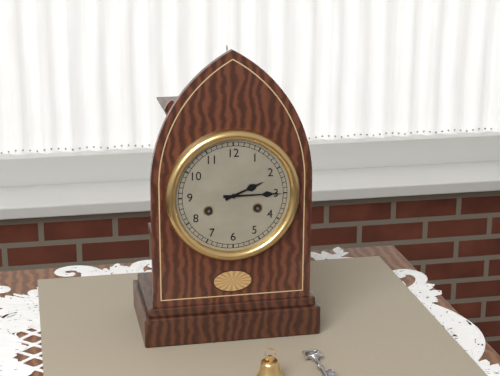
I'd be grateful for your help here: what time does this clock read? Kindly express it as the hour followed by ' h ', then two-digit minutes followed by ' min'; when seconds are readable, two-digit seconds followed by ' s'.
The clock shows 2 h 15 min
